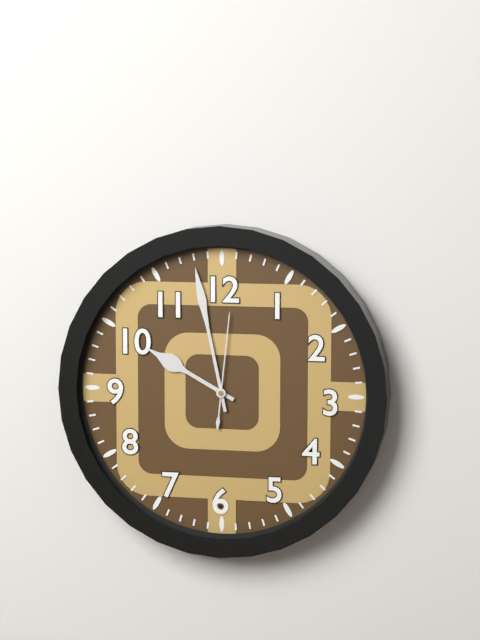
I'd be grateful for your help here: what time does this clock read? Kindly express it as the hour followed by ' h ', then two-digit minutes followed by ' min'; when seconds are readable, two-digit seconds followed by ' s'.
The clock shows 9 h 58 min 01 s
